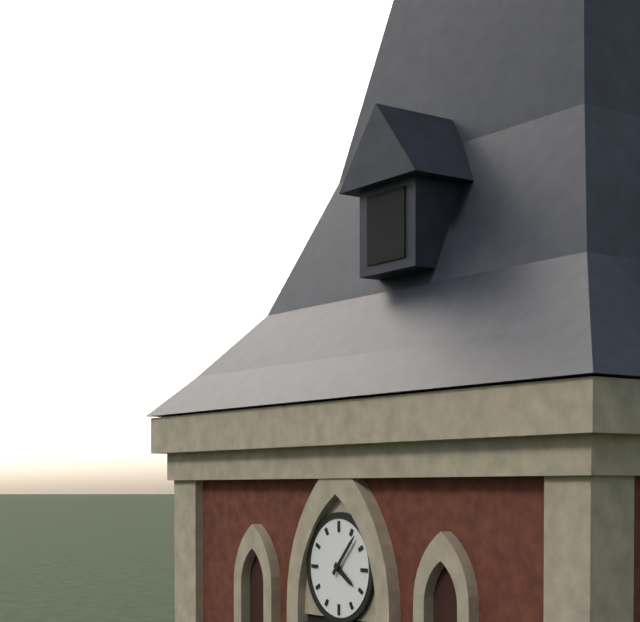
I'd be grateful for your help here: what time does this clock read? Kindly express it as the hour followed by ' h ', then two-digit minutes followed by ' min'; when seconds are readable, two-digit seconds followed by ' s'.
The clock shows 4 h 07 min
